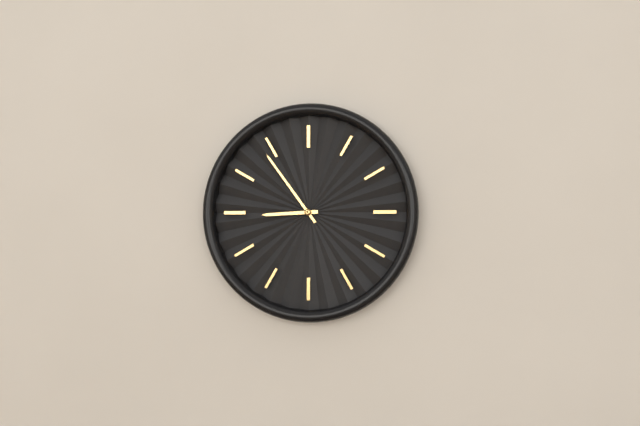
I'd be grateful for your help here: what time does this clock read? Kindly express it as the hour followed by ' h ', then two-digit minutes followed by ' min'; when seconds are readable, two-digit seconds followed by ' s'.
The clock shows 8 h 54 min
